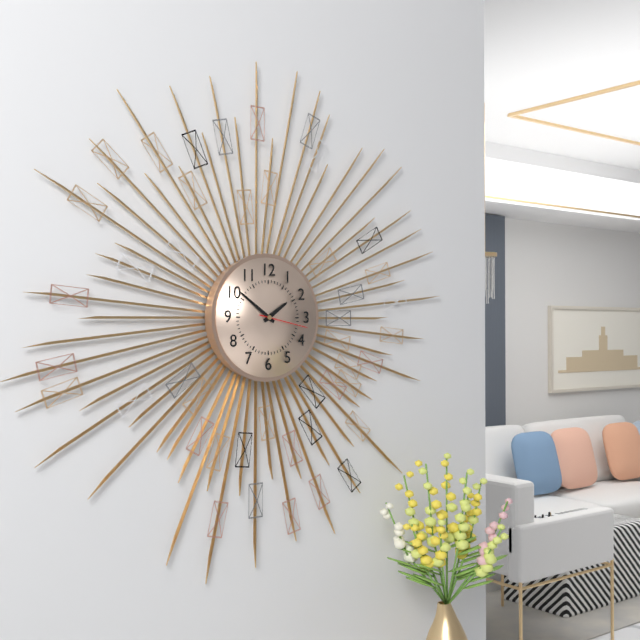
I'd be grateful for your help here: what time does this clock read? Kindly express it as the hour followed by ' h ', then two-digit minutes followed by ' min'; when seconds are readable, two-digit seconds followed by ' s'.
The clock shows 1 h 51 min 17 s
